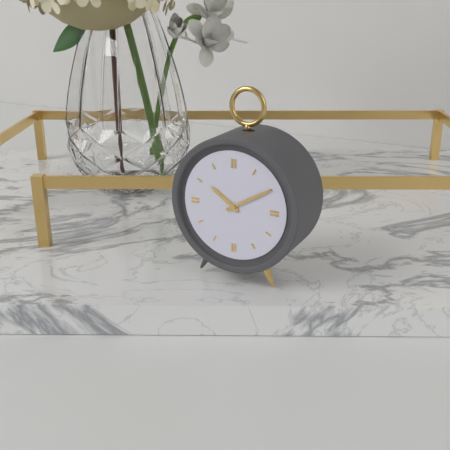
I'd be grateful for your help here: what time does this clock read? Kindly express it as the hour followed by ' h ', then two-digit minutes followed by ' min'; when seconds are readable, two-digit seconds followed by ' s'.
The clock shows 10 h 10 min
